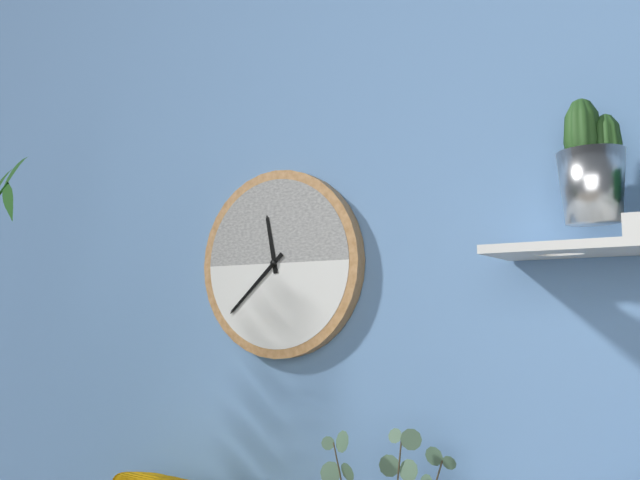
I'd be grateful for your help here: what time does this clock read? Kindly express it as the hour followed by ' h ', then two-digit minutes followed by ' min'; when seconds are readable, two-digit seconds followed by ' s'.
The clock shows 11 h 38 min
